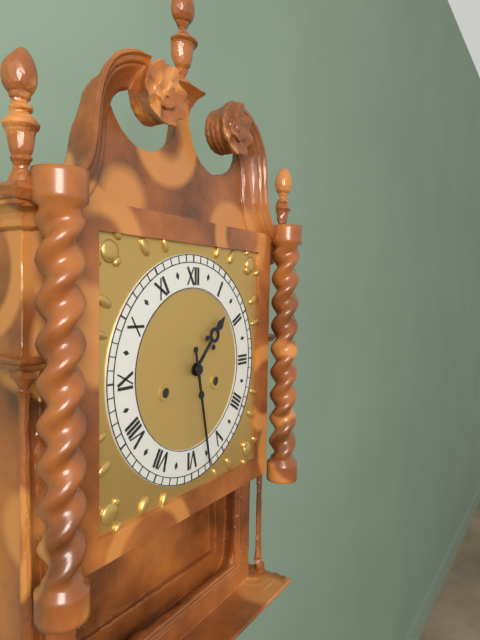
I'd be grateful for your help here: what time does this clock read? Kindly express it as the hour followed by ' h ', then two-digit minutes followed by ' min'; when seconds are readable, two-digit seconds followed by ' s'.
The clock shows 1 h 28 min
